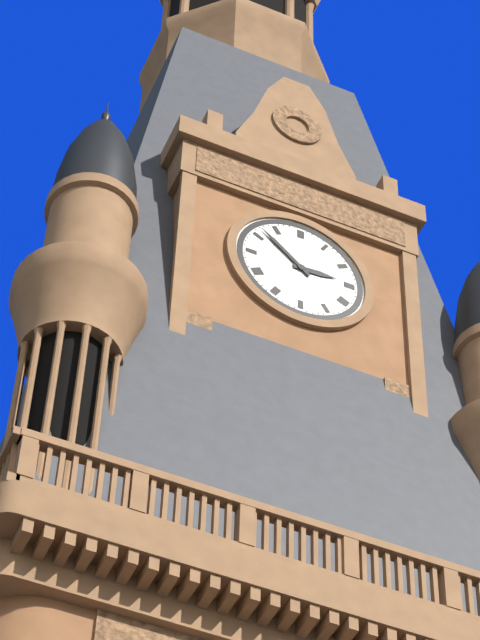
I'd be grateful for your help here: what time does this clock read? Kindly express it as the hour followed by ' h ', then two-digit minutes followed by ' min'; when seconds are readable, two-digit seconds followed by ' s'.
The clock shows 2 h 52 min
